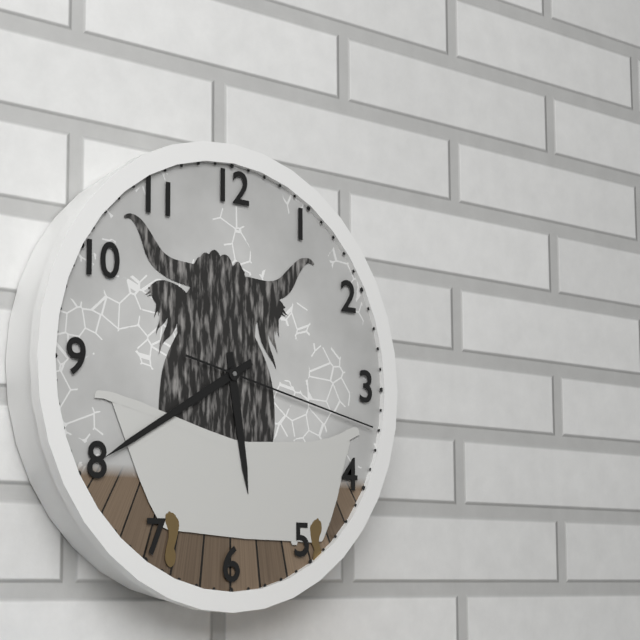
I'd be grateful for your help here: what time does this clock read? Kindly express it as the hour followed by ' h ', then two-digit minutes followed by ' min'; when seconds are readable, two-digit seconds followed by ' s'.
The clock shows 5 h 40 min 17 s
